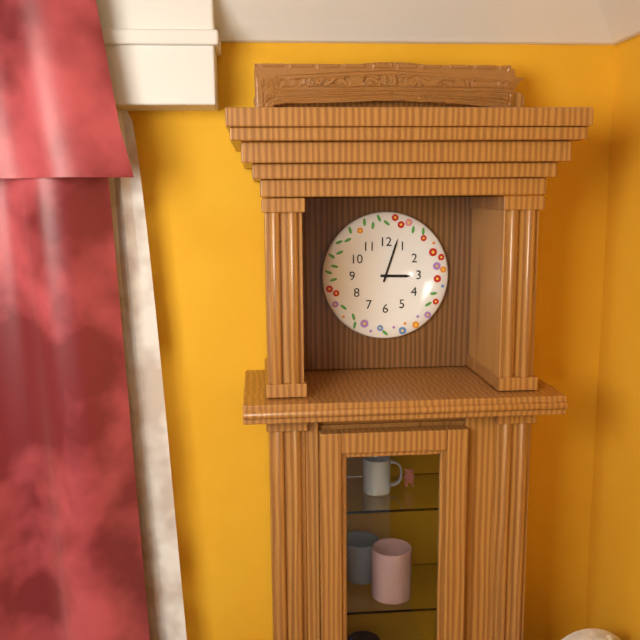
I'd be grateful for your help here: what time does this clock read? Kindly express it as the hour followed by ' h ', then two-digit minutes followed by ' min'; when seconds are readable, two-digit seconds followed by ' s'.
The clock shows 3 h 03 min
